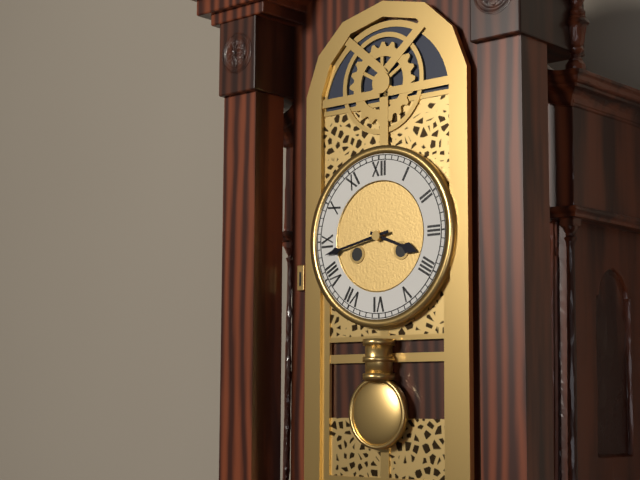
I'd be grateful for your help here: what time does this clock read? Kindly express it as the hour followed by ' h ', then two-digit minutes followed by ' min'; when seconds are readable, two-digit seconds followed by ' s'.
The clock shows 3 h 43 min
